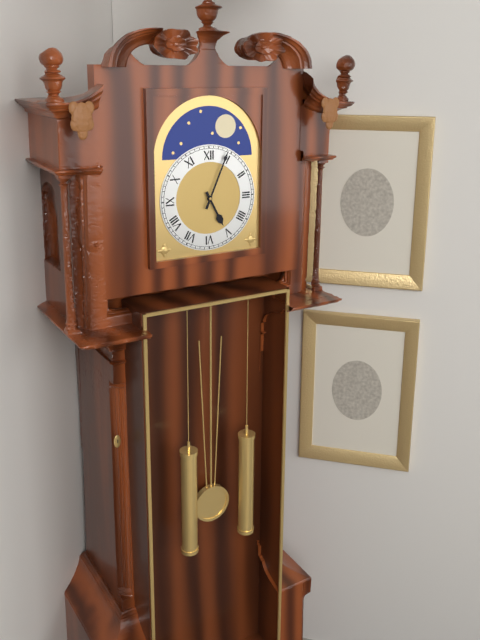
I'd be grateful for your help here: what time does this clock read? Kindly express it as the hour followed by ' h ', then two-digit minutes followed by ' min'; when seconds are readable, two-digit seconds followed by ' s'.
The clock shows 5 h 04 min
